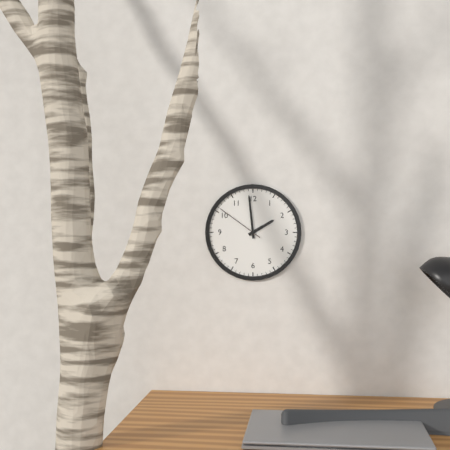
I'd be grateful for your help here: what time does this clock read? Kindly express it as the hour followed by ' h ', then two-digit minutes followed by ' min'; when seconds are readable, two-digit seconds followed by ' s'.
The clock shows 1 h 59 min 51 s
